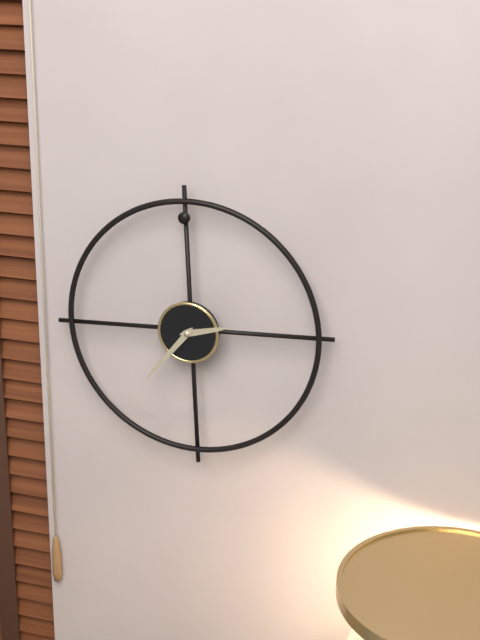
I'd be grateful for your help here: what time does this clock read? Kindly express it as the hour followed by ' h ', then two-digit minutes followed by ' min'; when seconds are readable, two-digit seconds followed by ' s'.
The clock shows 2 h 37 min
